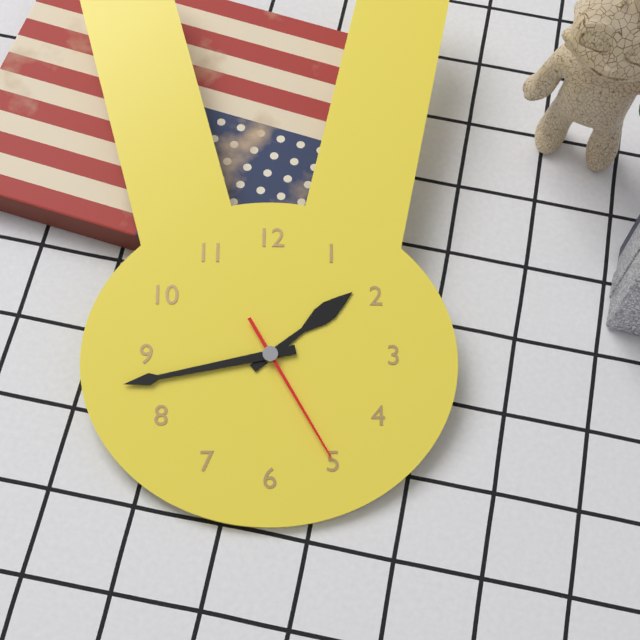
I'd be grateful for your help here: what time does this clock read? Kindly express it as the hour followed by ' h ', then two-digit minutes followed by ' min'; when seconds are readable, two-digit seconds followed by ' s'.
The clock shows 1 h 43 min 25 s
